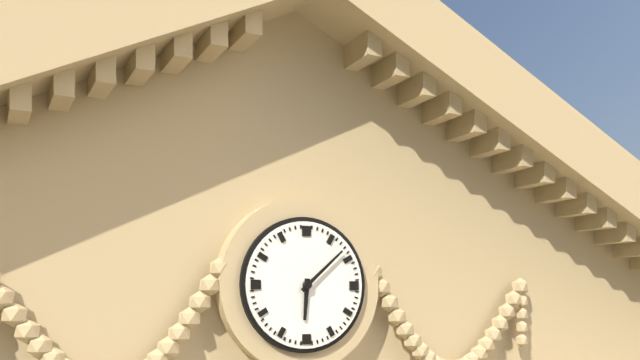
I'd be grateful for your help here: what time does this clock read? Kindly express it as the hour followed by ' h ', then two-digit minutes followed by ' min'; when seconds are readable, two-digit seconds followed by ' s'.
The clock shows 6 h 08 min
